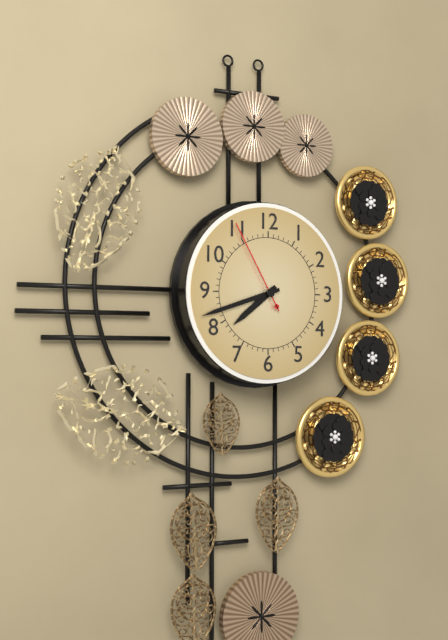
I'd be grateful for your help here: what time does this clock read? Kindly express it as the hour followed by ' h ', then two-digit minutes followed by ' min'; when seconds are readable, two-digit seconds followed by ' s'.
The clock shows 7 h 42 min 55 s
